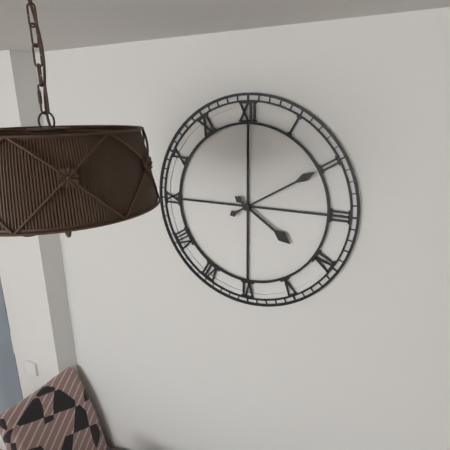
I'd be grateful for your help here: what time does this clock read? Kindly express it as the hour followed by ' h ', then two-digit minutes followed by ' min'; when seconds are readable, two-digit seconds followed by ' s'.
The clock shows 4 h 10 min
